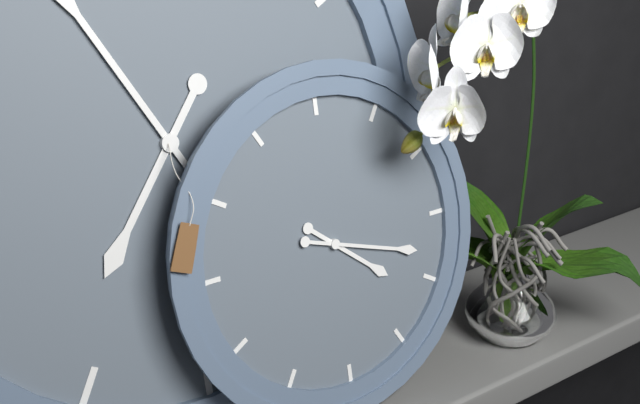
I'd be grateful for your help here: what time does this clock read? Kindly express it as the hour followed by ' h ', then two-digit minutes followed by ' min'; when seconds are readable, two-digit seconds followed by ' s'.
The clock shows 4 h 18 min
